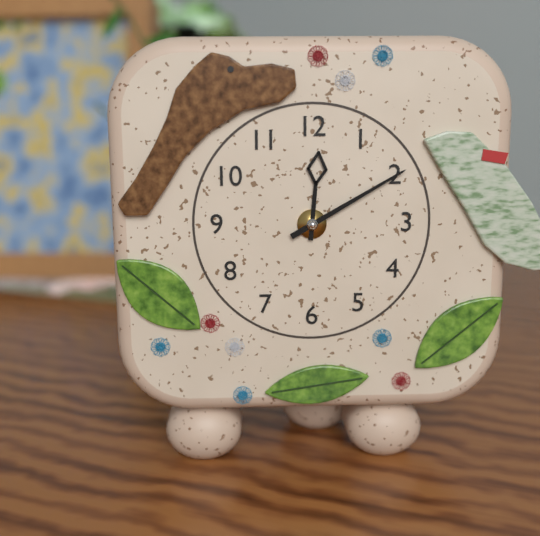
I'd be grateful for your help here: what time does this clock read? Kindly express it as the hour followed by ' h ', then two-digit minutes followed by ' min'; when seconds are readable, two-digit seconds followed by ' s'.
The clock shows 12 h 10 min
